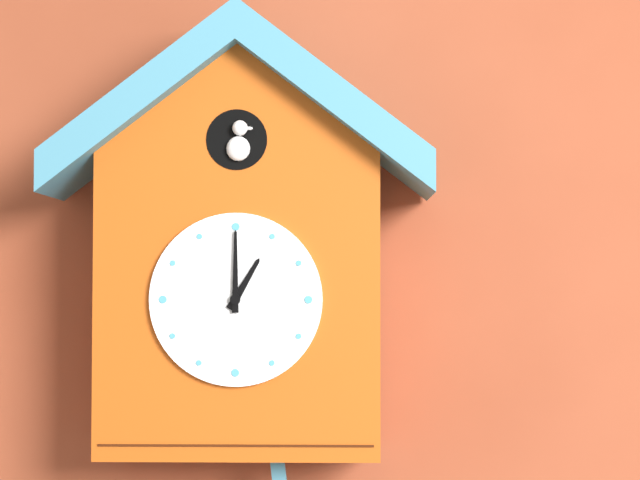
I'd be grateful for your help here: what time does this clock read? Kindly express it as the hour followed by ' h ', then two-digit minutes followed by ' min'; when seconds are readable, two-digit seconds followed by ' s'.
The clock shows 1 h 00 min
